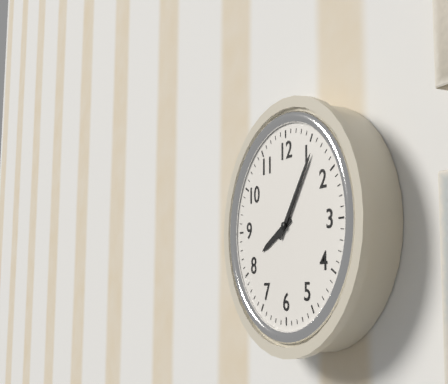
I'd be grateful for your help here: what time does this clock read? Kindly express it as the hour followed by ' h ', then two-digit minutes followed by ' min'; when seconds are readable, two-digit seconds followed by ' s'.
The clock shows 8 h 06 min
